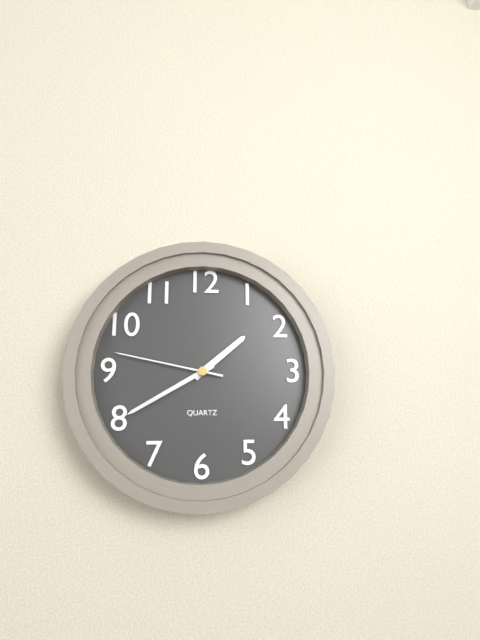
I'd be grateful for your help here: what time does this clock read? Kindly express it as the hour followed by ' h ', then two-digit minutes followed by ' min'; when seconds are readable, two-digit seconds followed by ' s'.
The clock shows 1 h 40 min 47 s
